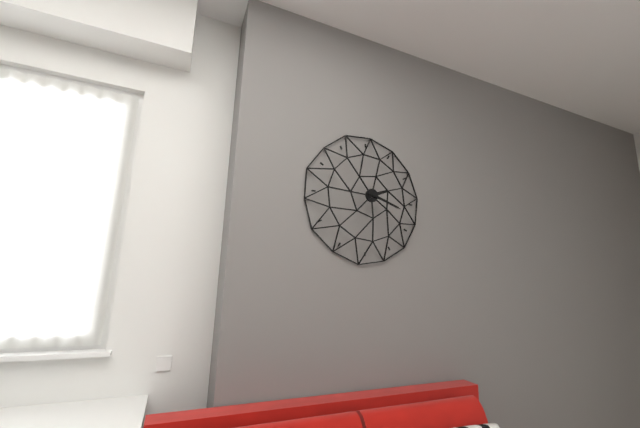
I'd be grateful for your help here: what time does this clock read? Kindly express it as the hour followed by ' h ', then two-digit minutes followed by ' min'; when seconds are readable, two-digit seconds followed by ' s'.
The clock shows 2 h 18 min
